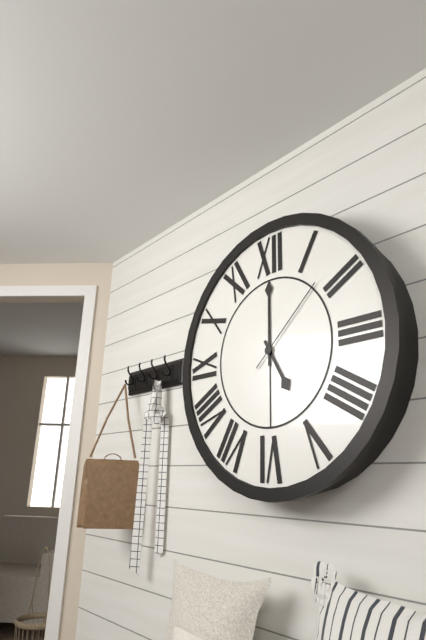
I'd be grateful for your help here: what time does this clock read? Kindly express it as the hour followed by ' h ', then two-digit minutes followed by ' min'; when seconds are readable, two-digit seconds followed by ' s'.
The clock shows 5 h 00 min 08 s
